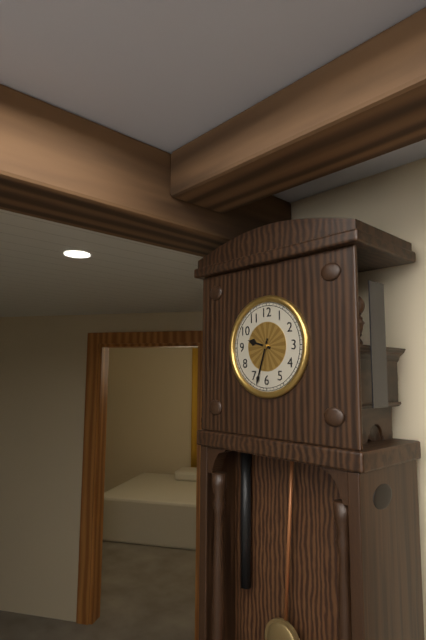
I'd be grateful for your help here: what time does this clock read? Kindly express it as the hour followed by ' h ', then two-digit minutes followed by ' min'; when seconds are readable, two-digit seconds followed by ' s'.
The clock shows 9 h 33 min
